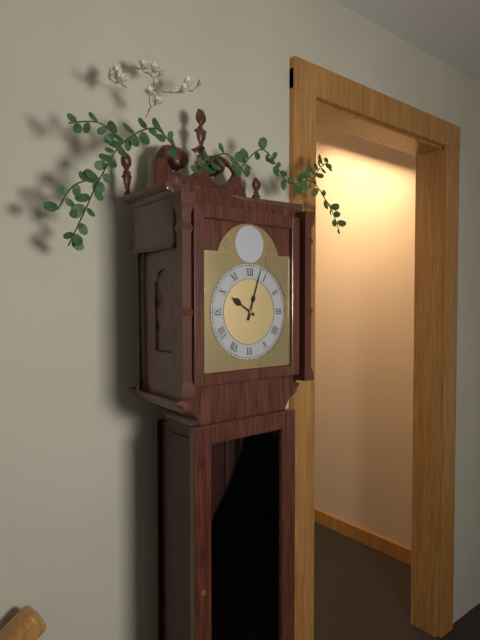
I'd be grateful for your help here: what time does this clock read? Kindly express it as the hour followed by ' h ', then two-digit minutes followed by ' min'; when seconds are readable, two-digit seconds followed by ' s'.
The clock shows 10 h 03 min
